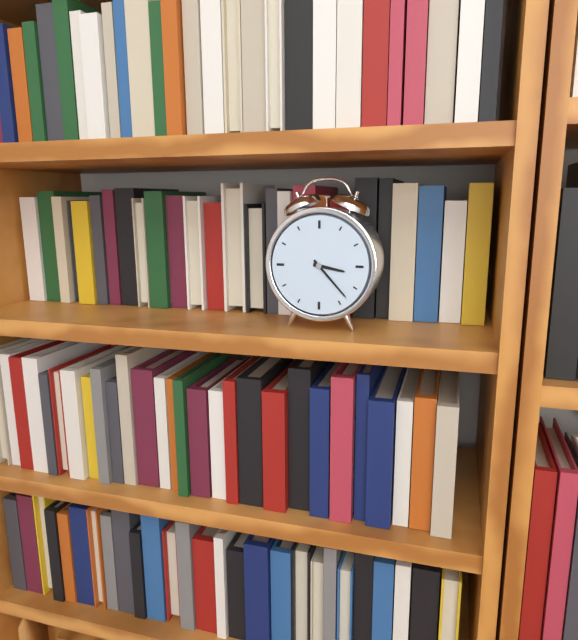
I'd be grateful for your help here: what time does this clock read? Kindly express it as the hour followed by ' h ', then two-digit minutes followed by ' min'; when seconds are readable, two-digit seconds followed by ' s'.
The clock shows 3 h 23 min
